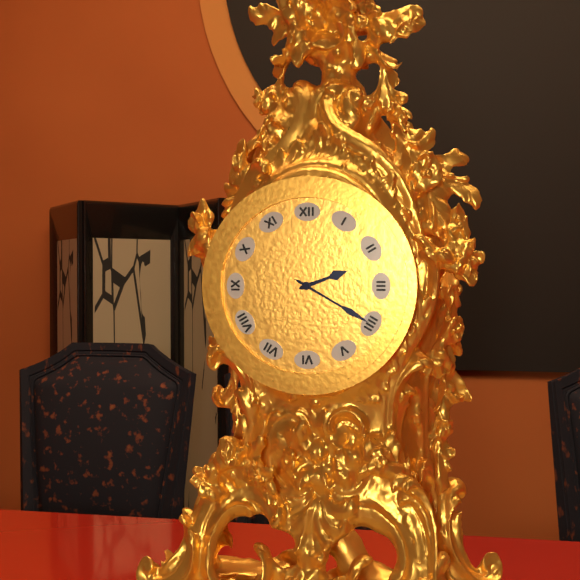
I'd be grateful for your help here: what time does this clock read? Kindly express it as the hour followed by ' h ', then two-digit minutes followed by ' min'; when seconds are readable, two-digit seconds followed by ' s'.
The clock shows 2 h 20 min
